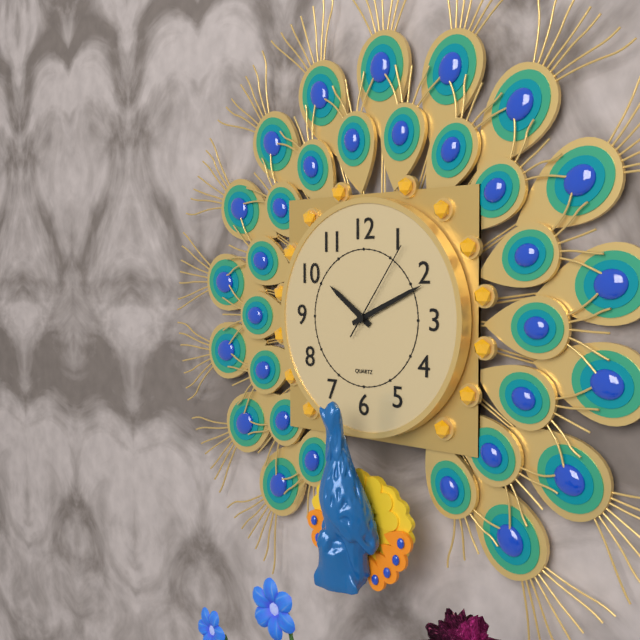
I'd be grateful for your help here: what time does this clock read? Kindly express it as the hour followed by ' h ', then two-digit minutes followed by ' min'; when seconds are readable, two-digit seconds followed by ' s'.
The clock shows 10 h 11 min 06 s
